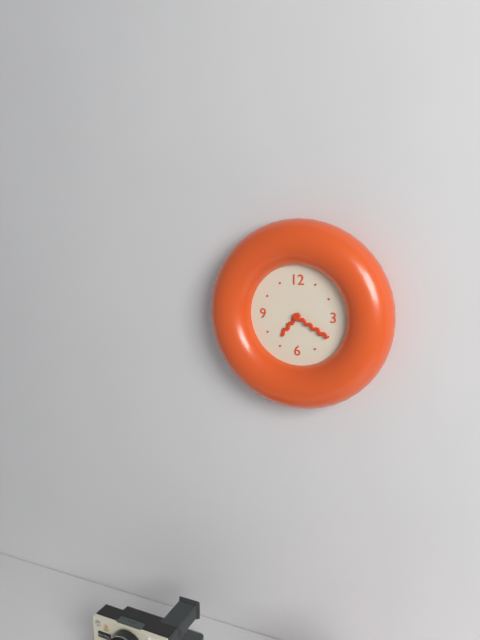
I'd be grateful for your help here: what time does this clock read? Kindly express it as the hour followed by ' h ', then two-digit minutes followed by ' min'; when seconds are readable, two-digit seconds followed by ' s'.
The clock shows 7 h 20 min
